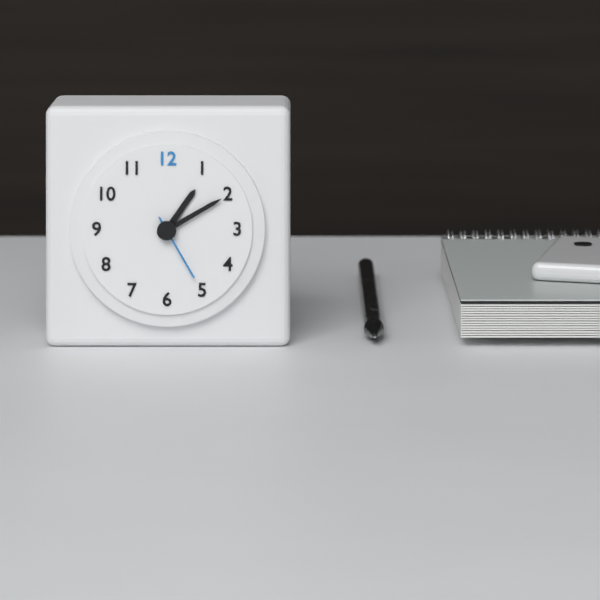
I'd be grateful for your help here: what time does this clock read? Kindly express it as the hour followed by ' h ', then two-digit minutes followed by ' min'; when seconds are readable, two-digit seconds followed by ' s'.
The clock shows 1 h 10 min 25 s
